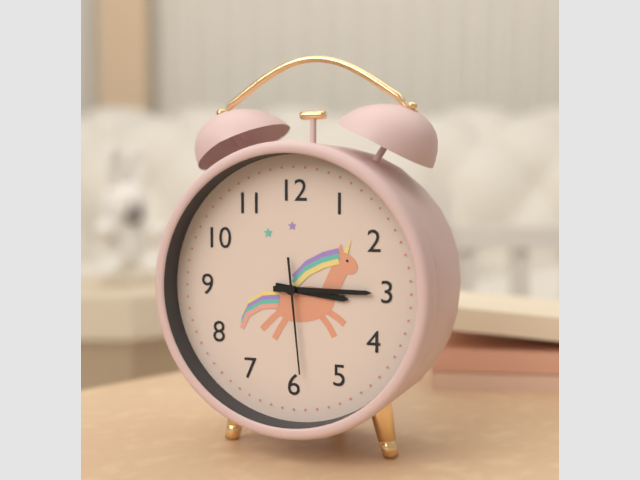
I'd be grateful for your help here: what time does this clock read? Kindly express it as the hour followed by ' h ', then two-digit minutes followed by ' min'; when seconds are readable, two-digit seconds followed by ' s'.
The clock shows 3 h 15 min 29 s
